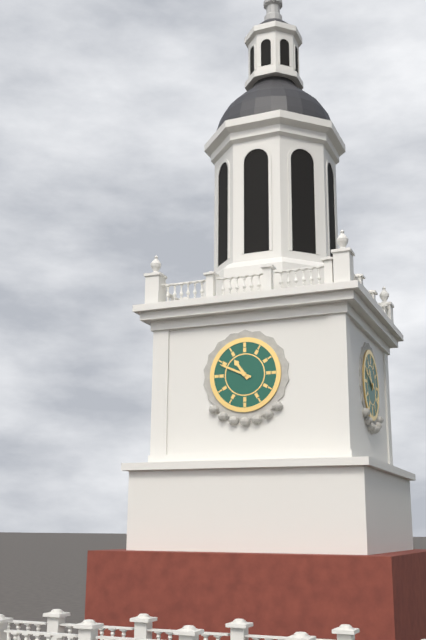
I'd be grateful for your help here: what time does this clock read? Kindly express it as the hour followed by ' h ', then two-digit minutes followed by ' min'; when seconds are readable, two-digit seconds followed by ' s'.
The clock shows 10 h 49 min
